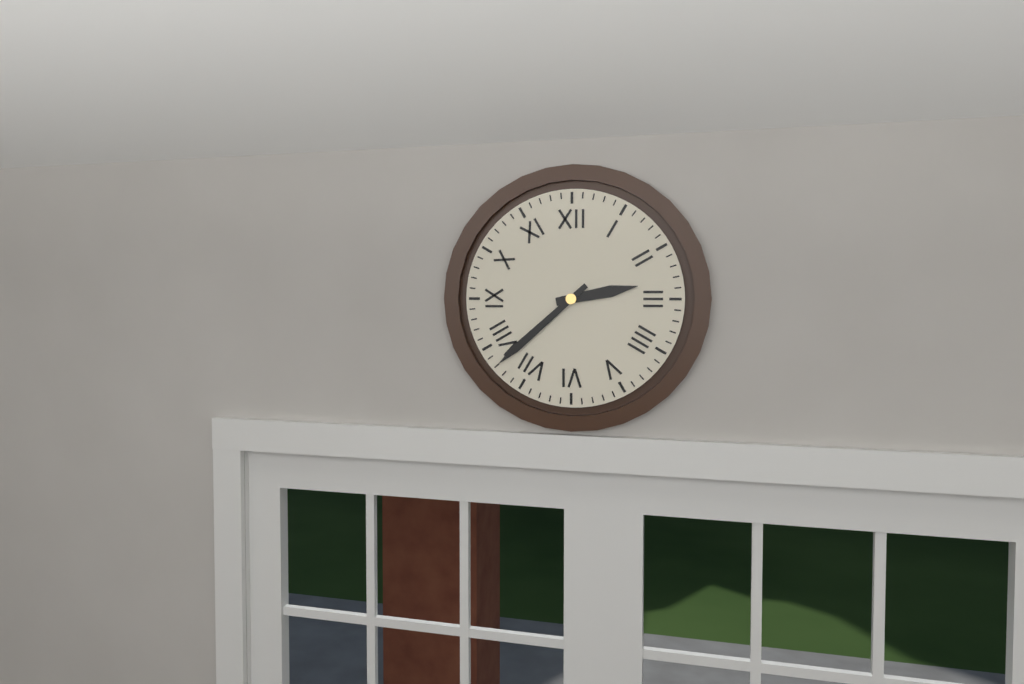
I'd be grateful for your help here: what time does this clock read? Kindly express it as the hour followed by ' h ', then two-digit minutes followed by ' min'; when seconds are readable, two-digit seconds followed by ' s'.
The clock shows 2 h 38 min
